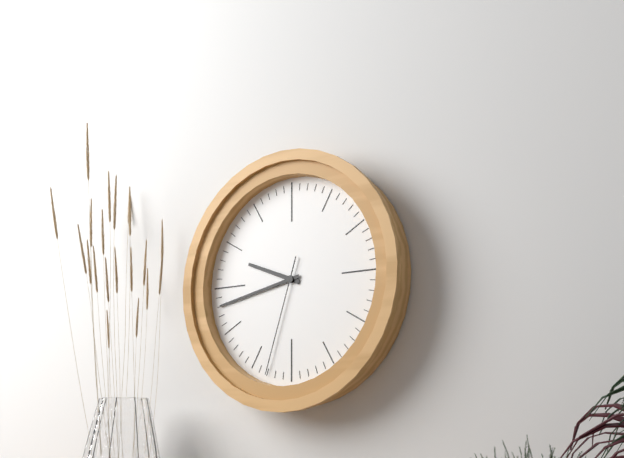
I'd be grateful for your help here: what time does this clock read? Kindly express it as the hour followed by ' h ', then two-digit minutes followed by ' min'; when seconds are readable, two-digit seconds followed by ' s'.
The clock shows 9 h 43 min 33 s
